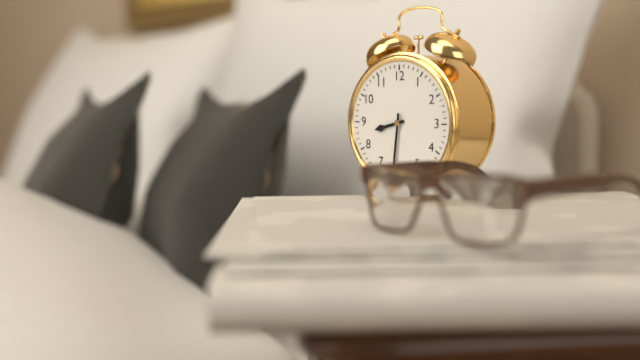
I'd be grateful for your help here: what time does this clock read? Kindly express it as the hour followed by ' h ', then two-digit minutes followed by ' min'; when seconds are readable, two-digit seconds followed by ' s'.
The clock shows 8 h 31 min
